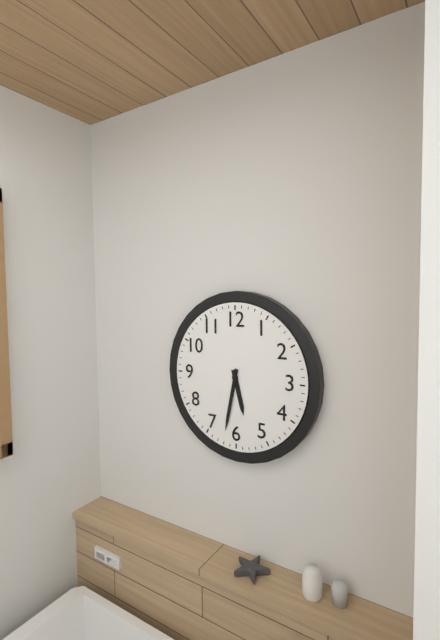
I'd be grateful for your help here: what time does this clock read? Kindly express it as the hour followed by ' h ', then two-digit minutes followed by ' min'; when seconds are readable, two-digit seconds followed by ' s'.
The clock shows 5 h 32 min
